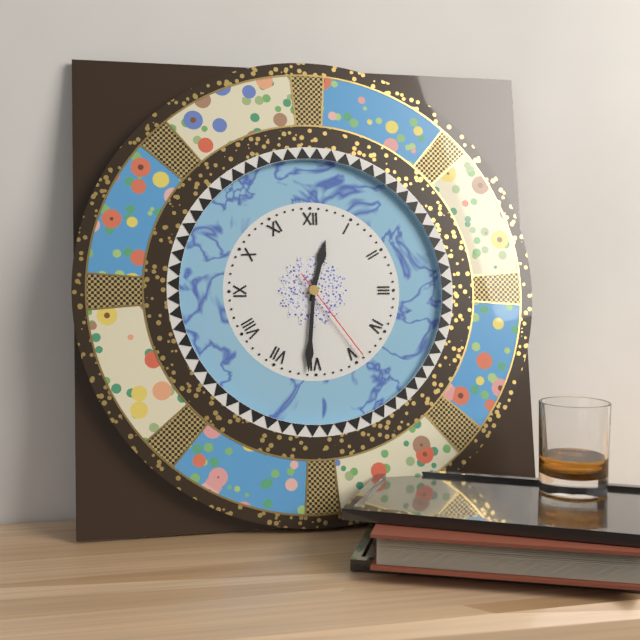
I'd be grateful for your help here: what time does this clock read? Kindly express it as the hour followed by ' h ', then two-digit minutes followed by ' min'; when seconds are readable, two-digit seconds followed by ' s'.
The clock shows 12 h 31 min 24 s
